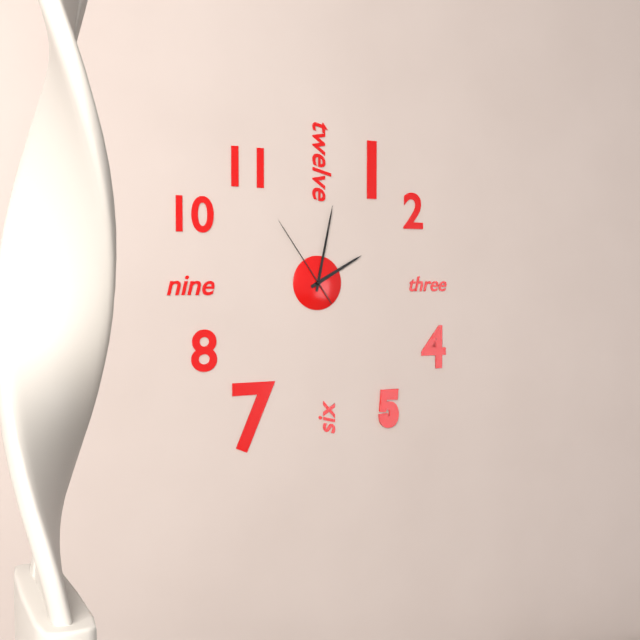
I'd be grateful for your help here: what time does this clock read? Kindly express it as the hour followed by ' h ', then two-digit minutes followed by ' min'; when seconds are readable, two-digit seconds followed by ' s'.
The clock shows 2 h 02 min 54 s
